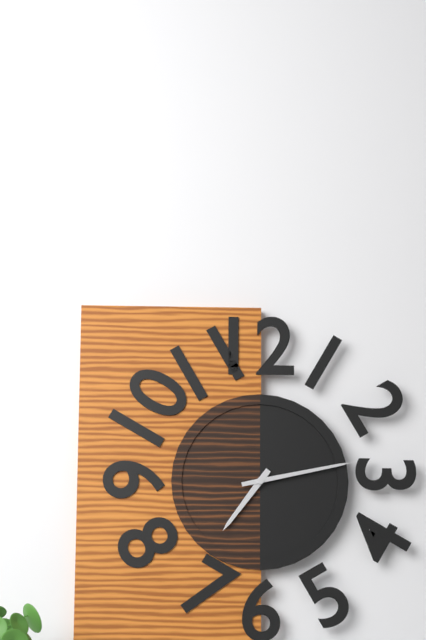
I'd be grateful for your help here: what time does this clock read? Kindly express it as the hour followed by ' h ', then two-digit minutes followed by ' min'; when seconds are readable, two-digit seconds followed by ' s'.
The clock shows 7 h 13 min
